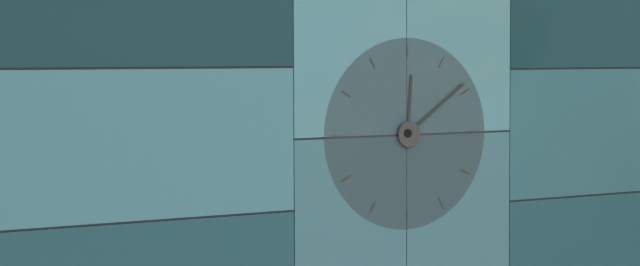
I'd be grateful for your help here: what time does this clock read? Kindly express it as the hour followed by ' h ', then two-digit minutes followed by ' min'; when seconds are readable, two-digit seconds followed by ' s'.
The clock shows 12 h 09 min
